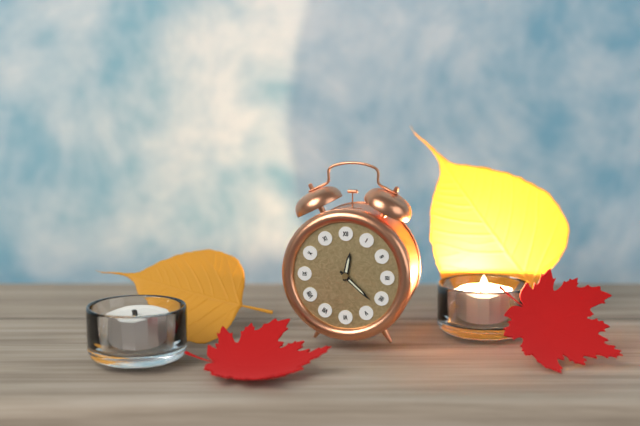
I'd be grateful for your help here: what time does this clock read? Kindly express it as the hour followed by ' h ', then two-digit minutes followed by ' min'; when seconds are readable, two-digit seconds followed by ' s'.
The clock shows 12 h 22 min
